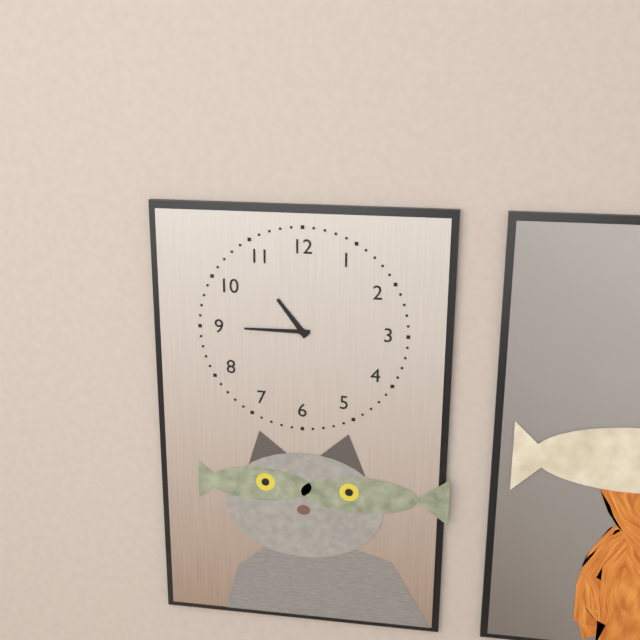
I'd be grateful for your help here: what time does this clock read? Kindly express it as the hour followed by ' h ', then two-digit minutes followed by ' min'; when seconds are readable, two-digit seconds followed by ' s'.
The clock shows 10 h 45 min
